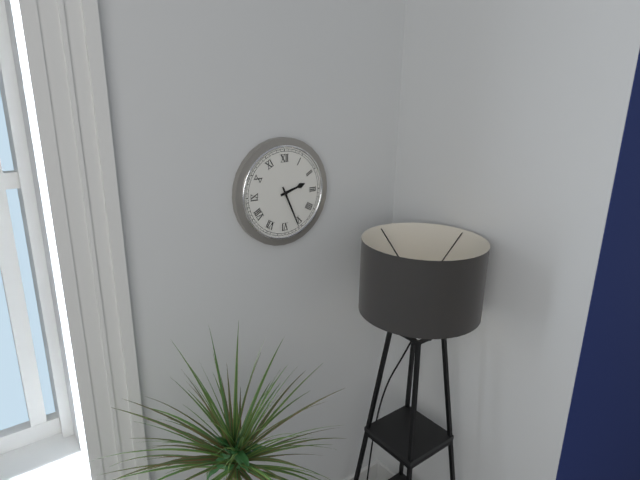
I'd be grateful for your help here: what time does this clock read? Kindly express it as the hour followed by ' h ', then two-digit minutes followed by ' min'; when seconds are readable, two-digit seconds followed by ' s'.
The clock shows 2 h 26 min
